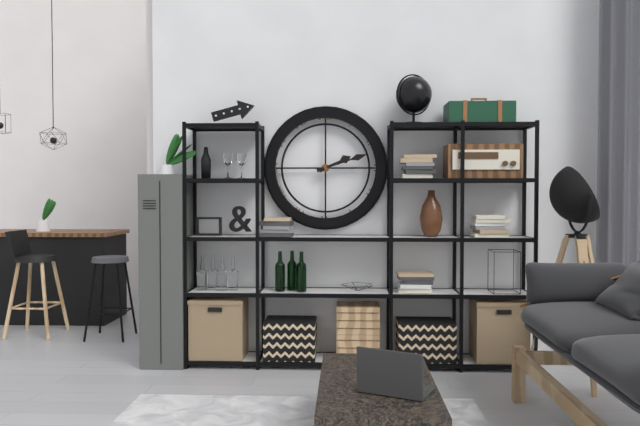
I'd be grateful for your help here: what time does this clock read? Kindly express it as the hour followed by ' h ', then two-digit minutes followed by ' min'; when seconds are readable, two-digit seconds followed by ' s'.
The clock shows 2 h 12 min
